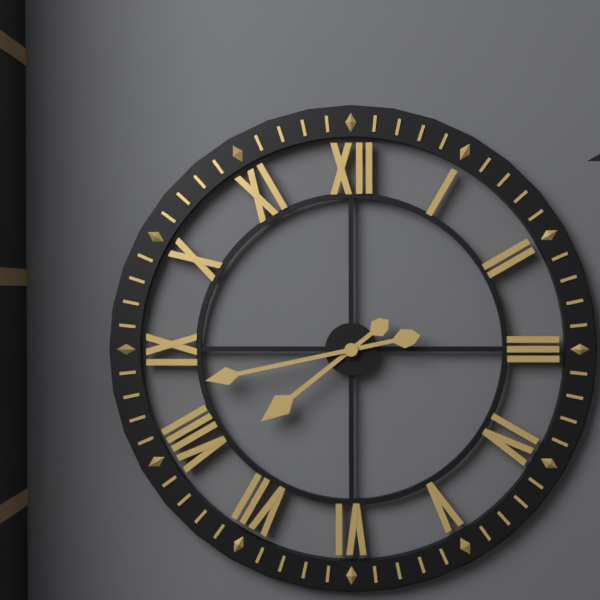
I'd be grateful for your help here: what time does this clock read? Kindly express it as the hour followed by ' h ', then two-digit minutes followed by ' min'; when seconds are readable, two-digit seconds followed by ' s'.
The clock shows 7 h 43 min
